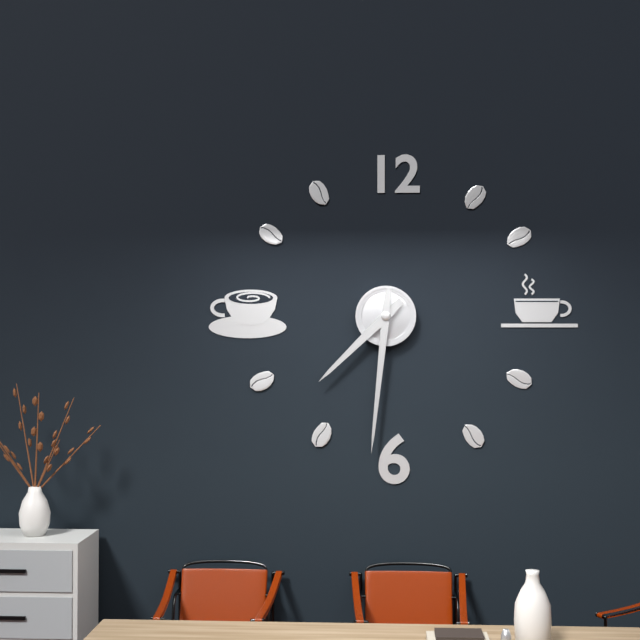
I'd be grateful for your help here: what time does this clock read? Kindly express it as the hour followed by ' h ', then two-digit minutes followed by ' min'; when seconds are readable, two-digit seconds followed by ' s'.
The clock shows 7 h 31 min
